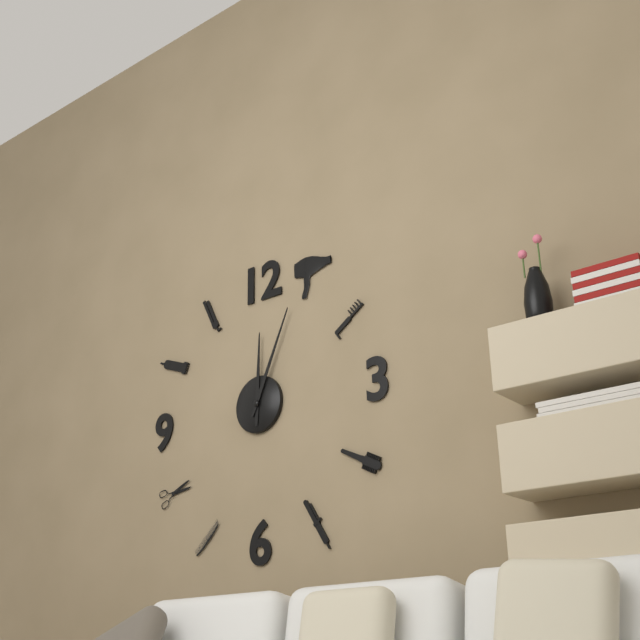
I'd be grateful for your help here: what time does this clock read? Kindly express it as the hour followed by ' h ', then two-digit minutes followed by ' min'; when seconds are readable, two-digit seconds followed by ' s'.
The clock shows 12 h 04 min
